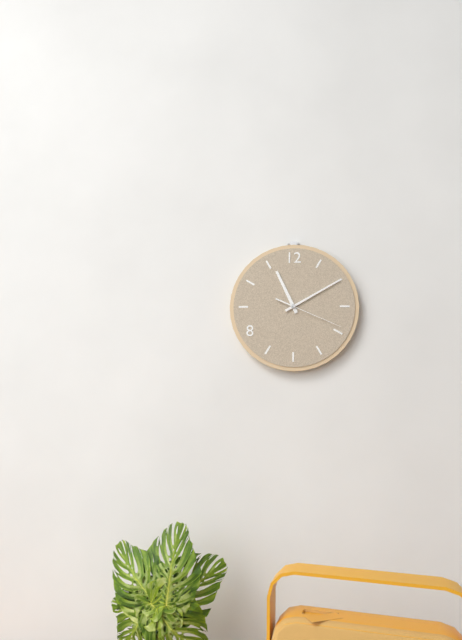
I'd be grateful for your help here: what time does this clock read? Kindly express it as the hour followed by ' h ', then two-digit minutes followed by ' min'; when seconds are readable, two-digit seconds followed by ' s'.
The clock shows 11 h 10 min 19 s
